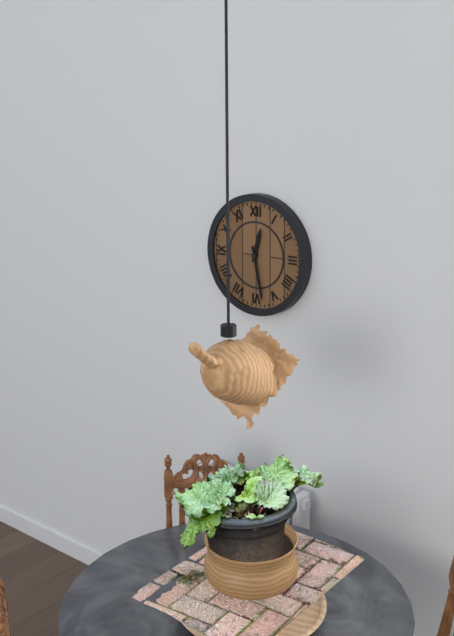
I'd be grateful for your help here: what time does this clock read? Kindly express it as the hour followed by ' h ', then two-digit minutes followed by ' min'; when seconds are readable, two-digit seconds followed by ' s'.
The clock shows 12 h 28 min
